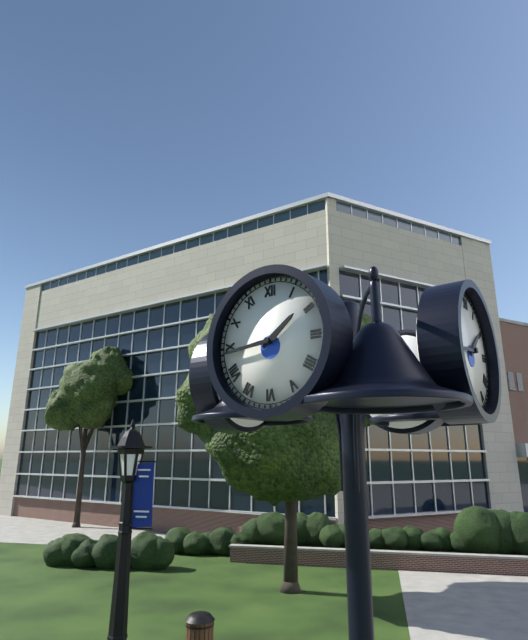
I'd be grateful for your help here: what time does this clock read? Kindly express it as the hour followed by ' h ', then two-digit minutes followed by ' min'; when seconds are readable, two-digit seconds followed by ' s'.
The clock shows 1 h 44 min
